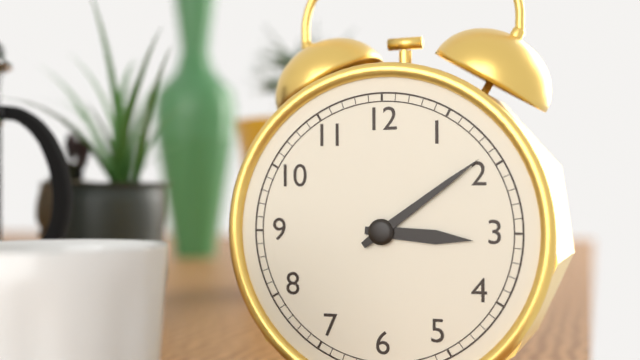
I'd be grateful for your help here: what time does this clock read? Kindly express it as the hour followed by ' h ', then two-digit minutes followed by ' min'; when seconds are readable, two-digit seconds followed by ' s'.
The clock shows 3 h 09 min
